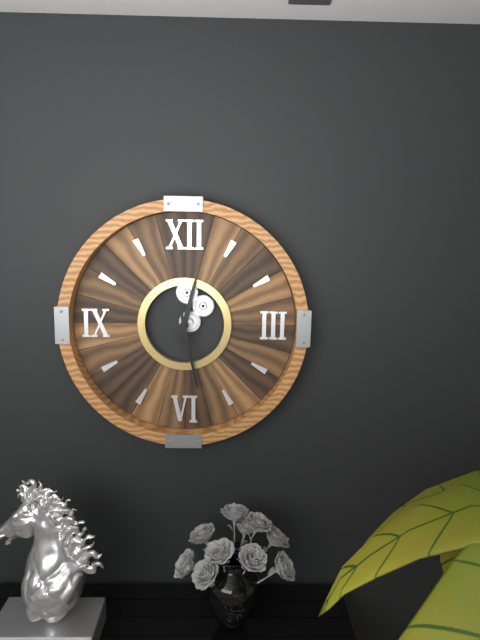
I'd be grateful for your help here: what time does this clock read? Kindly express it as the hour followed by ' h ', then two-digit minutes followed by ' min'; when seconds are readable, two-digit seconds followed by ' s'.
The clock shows 12 h 28 min
